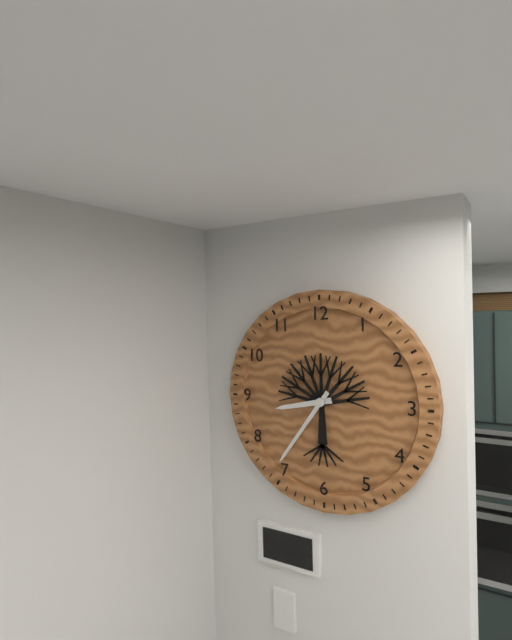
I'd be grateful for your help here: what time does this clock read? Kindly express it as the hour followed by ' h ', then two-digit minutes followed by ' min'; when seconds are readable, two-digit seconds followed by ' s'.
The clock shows 8 h 36 min
